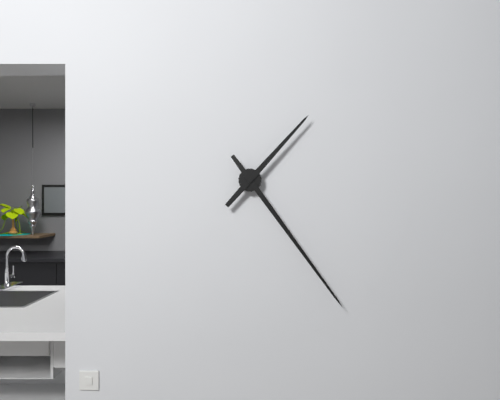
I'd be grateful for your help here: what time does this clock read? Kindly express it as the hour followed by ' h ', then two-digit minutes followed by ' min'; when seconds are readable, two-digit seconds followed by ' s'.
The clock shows 1 h 24 min
